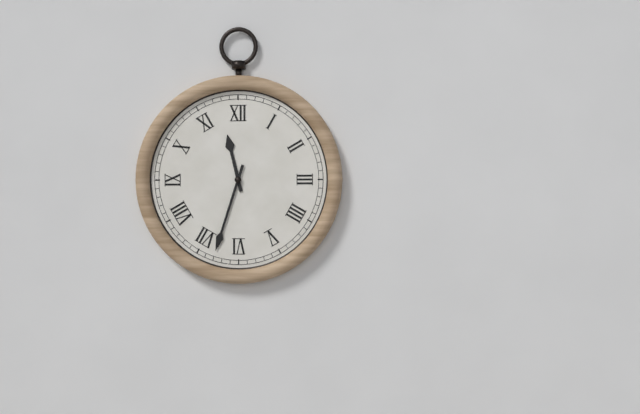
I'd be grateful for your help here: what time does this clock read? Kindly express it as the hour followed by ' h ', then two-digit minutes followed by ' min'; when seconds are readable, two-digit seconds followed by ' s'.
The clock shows 11 h 33 min
